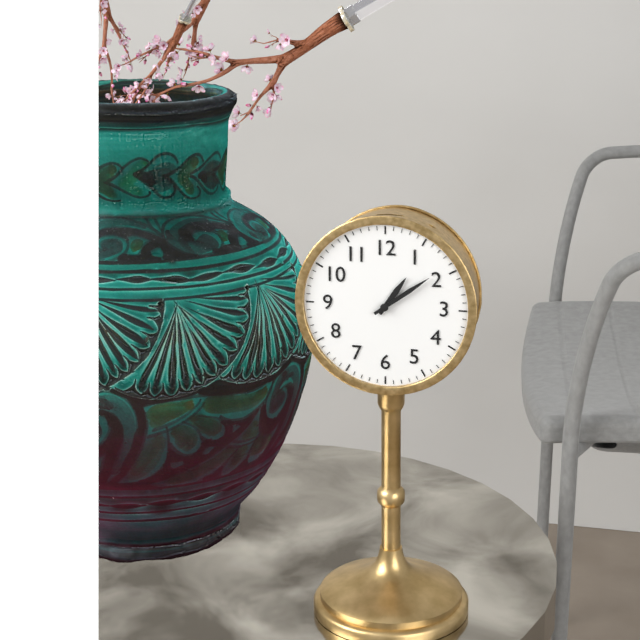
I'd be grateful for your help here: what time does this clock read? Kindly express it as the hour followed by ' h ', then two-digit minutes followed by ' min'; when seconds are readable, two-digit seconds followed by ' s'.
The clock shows 1 h 09 min
